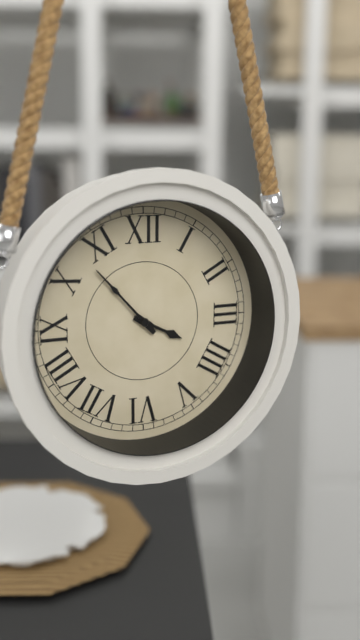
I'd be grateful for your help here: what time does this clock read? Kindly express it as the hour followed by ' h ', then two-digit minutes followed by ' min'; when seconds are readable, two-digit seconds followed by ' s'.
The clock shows 3 h 53 min
